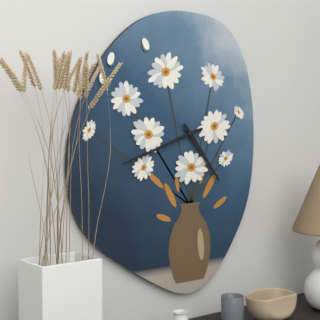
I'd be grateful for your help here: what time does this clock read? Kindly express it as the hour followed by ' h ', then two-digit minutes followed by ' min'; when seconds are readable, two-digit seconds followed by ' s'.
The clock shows 4 h 42 min
